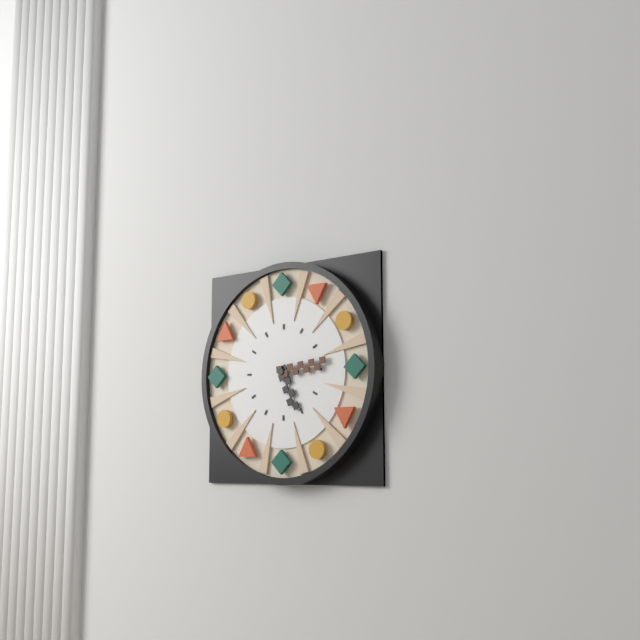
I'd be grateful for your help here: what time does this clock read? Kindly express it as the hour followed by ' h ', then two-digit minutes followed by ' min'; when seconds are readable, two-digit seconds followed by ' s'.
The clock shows 5 h 14 min
